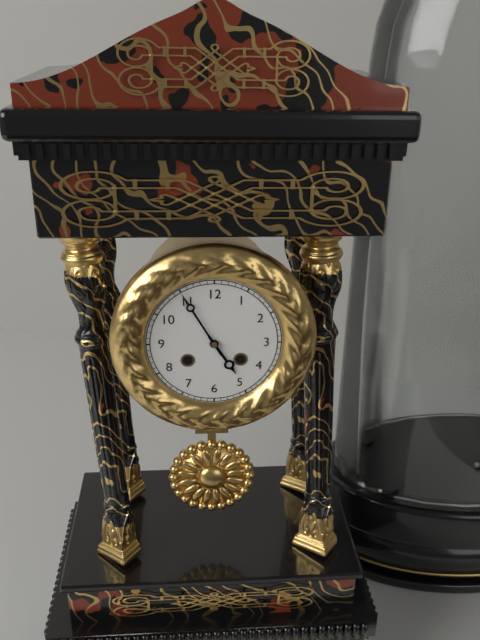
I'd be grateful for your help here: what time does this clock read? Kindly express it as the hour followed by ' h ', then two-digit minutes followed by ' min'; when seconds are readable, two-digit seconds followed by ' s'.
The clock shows 4 h 55 min
